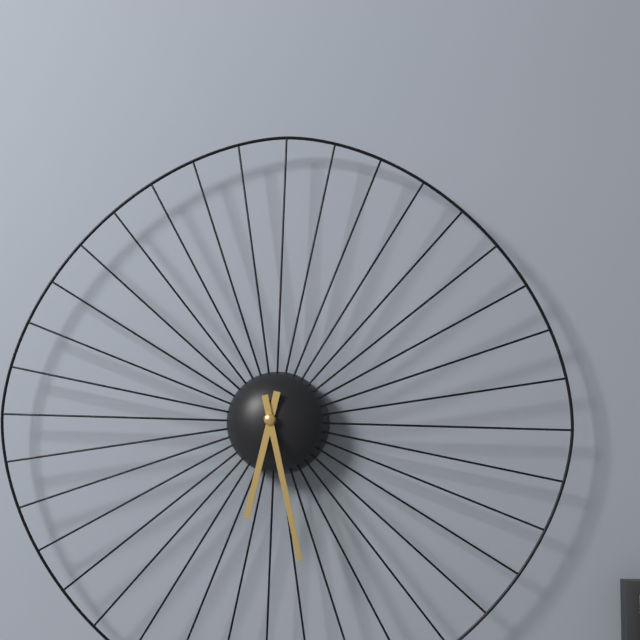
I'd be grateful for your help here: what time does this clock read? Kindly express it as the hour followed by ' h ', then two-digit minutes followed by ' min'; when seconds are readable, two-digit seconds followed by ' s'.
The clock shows 6 h 28 min
